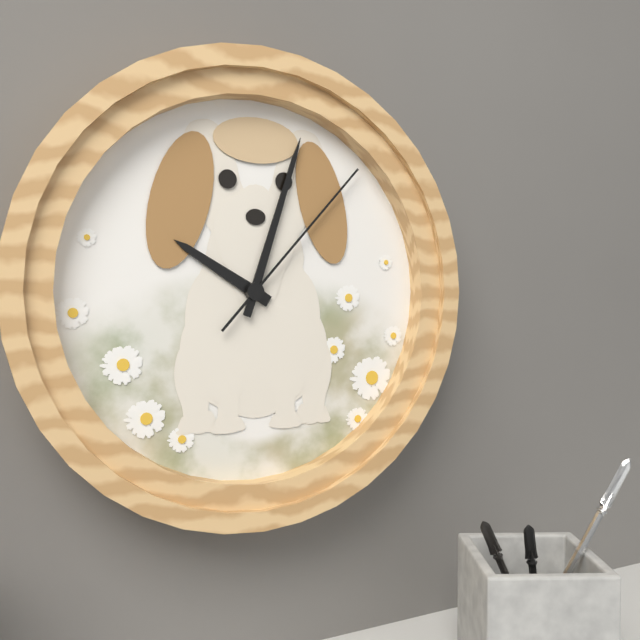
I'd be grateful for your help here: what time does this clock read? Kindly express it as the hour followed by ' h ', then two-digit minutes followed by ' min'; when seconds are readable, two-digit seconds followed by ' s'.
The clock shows 10 h 03 min 07 s
